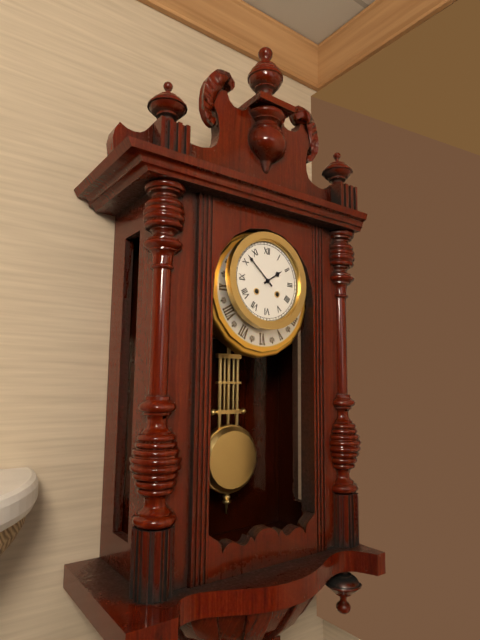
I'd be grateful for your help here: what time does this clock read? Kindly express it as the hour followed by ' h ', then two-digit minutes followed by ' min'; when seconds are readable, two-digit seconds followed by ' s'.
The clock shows 1 h 52 min
